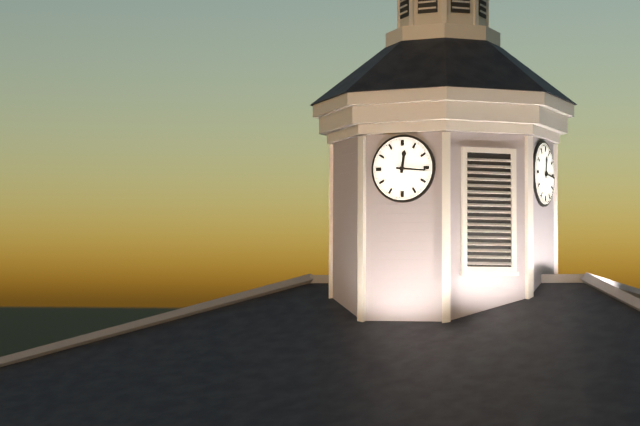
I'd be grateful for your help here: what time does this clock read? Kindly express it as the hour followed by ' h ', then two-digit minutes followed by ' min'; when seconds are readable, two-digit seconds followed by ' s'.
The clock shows 12 h 16 min
